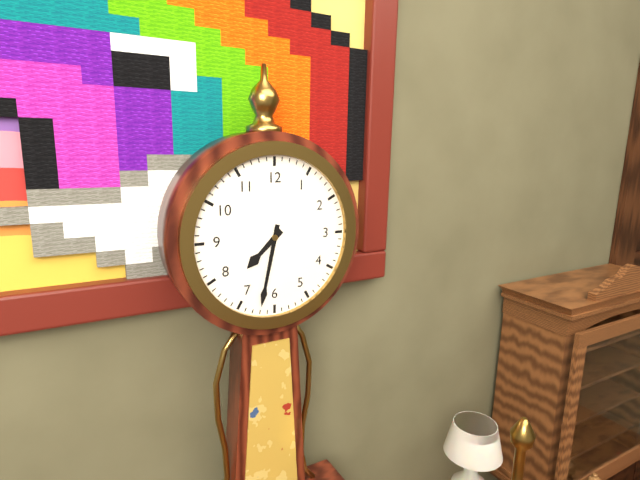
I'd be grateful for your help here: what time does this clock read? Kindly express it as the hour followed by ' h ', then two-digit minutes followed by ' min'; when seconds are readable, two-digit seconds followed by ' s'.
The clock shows 7 h 32 min
